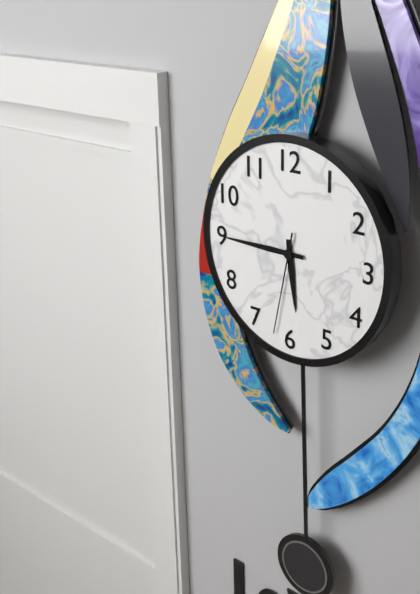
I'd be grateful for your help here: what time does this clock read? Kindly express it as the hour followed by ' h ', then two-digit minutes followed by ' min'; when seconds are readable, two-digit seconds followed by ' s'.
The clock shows 5 h 45 min 32 s
